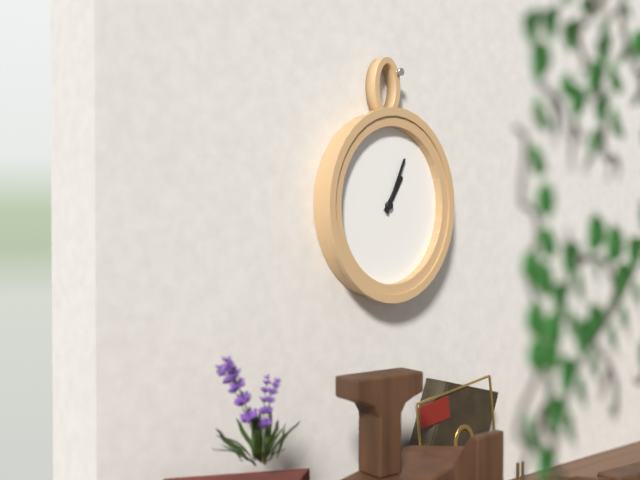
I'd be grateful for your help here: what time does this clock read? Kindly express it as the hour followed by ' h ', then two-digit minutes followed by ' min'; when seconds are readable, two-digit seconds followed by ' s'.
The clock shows 1 h 04 min
